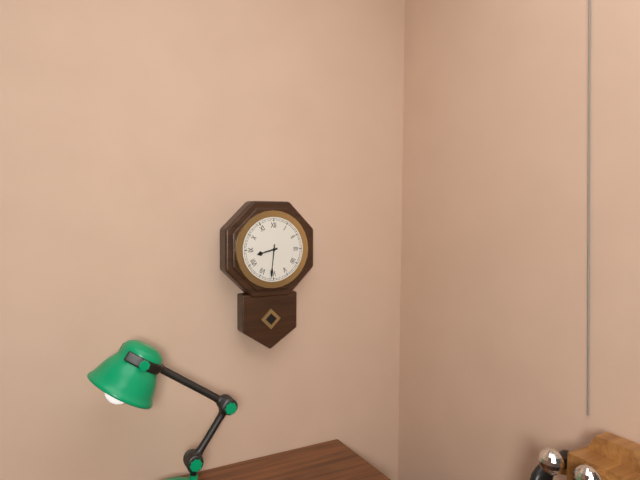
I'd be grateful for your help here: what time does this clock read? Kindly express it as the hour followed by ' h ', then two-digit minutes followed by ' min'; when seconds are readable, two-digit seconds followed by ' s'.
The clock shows 8 h 31 min
